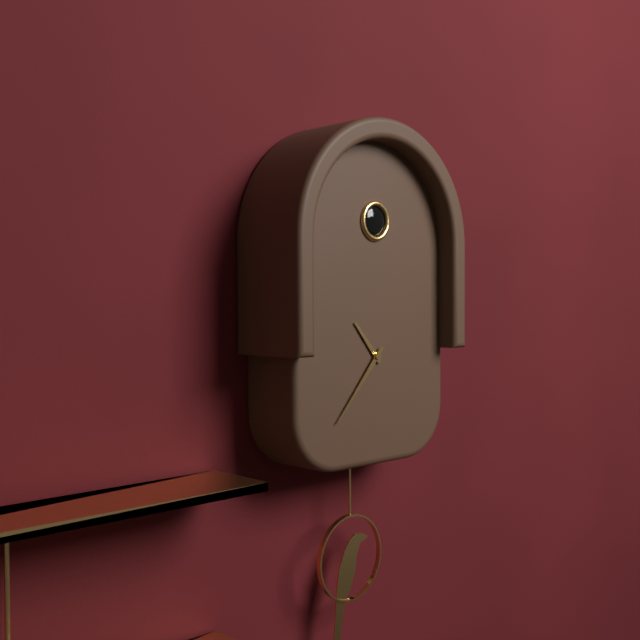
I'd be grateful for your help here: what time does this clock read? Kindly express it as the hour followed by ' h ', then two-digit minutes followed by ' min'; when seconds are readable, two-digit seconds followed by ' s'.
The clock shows 10 h 37 min
